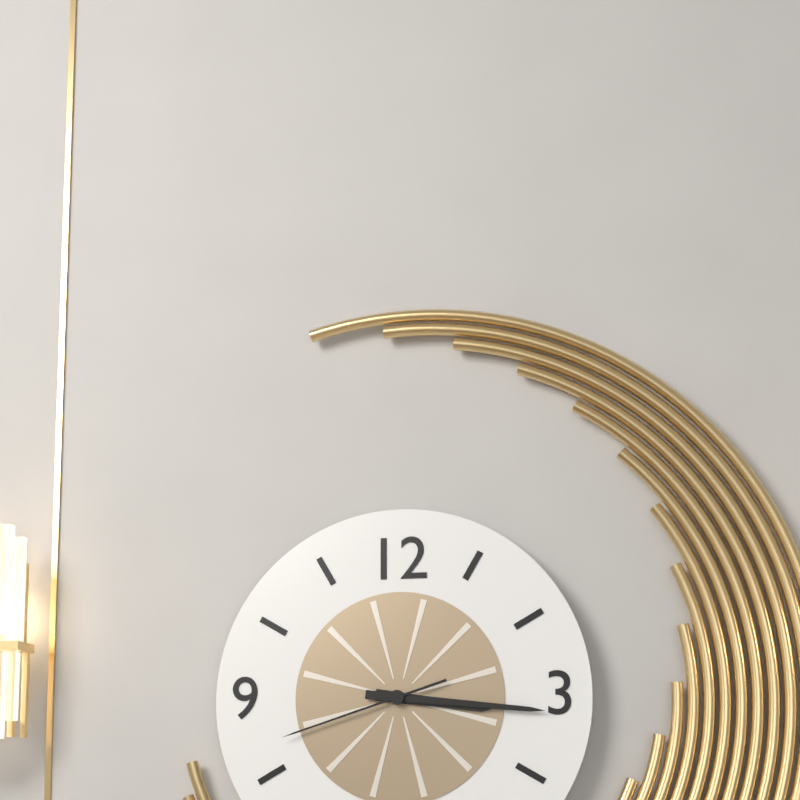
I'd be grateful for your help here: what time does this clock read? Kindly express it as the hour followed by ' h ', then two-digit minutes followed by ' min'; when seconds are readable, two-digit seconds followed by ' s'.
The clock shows 3 h 16 min 42 s
